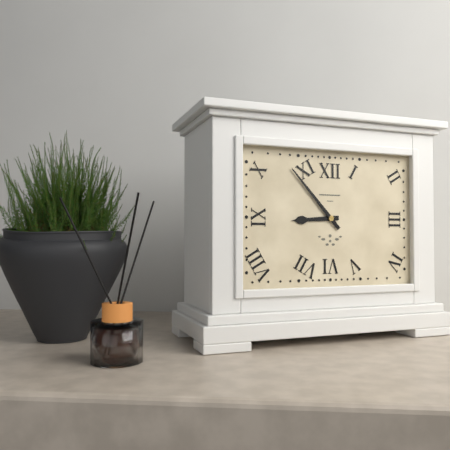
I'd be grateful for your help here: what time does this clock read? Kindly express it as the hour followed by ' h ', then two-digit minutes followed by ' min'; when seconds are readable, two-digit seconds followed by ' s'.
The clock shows 8 h 53 min
